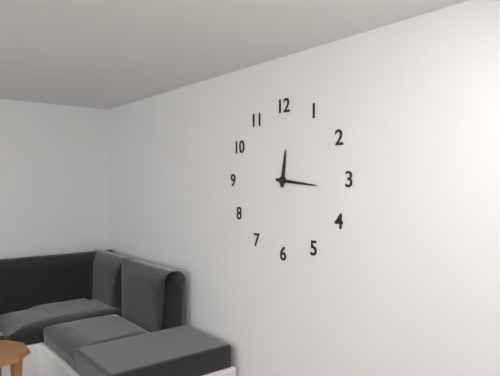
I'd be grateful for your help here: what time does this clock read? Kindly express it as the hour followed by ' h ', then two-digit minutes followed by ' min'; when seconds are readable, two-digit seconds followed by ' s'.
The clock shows 12 h 16 min
